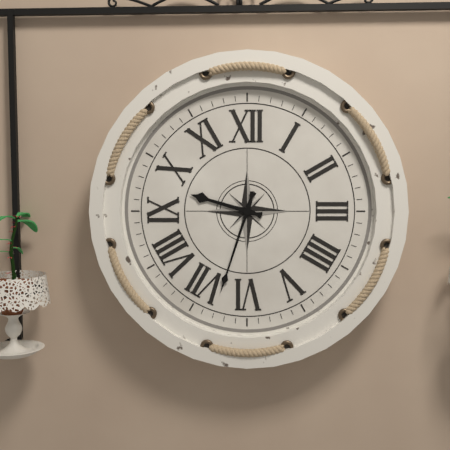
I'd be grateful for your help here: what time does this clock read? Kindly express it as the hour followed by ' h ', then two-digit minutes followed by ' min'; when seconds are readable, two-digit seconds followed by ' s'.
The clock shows 9 h 33 min
